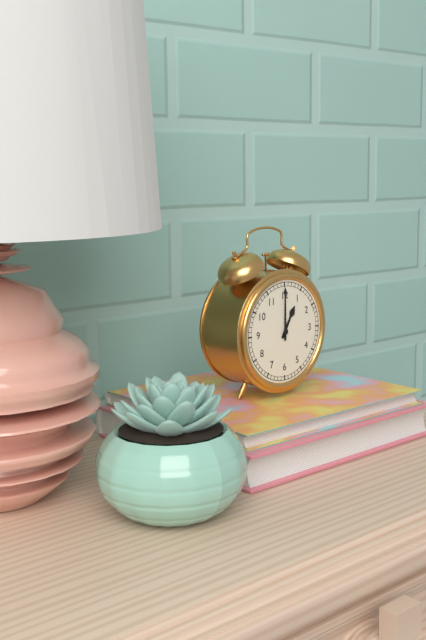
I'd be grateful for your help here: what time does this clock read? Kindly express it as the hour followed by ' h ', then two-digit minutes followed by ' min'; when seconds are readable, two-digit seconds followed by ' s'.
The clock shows 1 h 00 min
